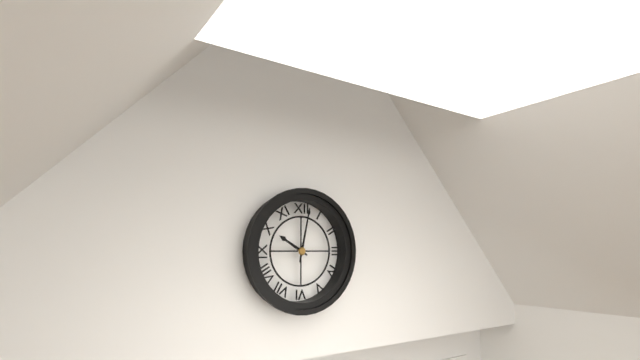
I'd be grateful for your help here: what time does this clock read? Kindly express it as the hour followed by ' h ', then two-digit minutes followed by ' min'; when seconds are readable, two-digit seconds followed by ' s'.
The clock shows 10 h 02 min
